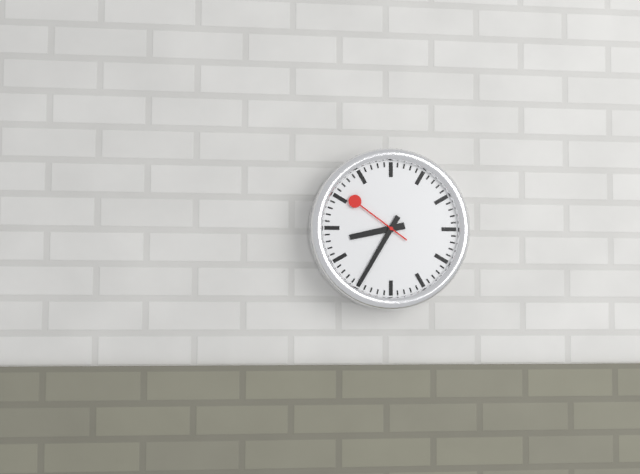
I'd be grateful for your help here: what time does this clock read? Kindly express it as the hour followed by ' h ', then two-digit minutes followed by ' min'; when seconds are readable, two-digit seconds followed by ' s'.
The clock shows 8 h 35 min 51 s
